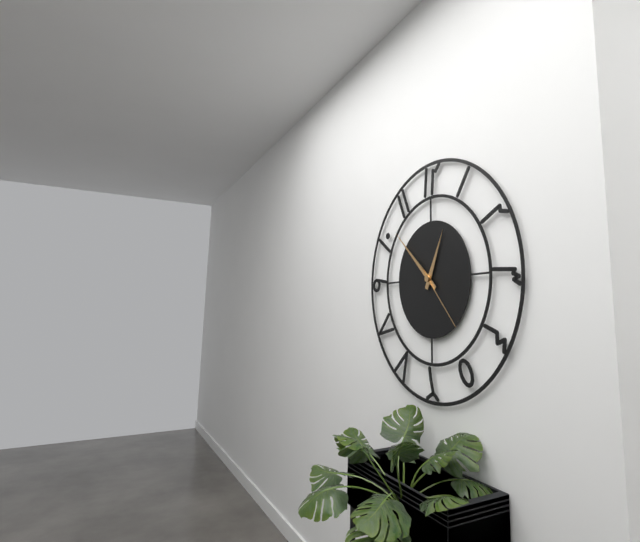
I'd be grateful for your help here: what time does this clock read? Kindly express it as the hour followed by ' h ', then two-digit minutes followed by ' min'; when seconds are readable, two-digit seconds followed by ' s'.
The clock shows 12 h 52 min 23 s
